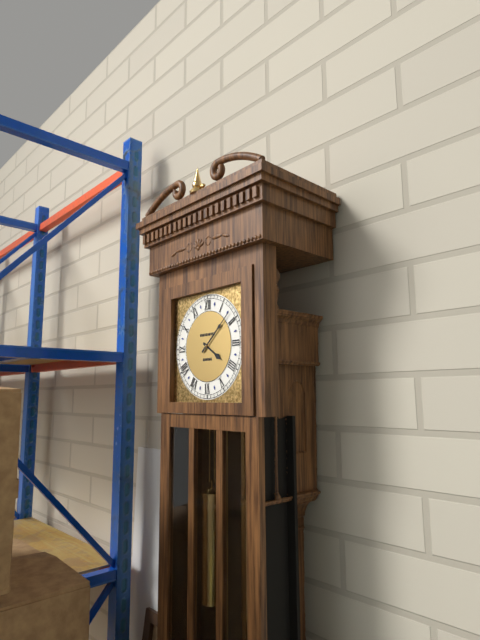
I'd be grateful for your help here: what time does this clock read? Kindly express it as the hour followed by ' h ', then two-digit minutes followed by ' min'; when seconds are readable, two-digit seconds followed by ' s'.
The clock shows 4 h 08 min
